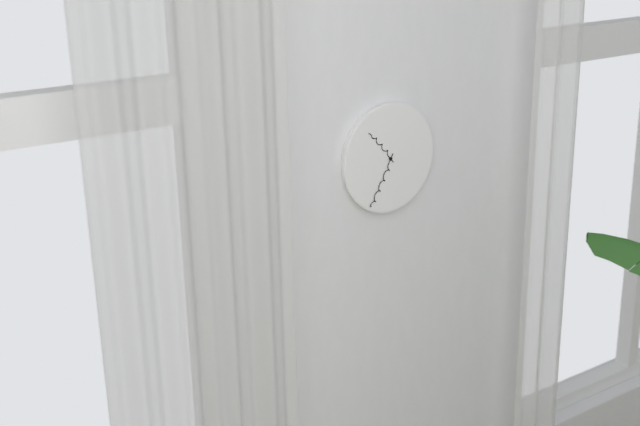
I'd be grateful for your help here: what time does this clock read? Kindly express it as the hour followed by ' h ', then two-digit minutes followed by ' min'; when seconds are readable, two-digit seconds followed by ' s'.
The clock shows 10 h 35 min
